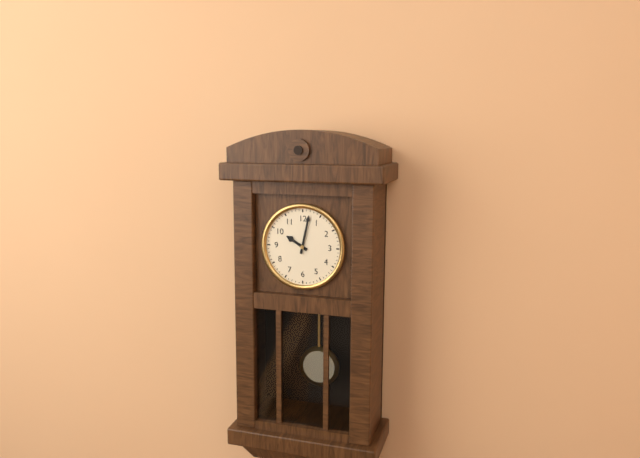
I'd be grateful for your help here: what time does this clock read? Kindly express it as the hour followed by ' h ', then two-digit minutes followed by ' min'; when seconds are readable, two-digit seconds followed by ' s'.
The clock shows 10 h 02 min
